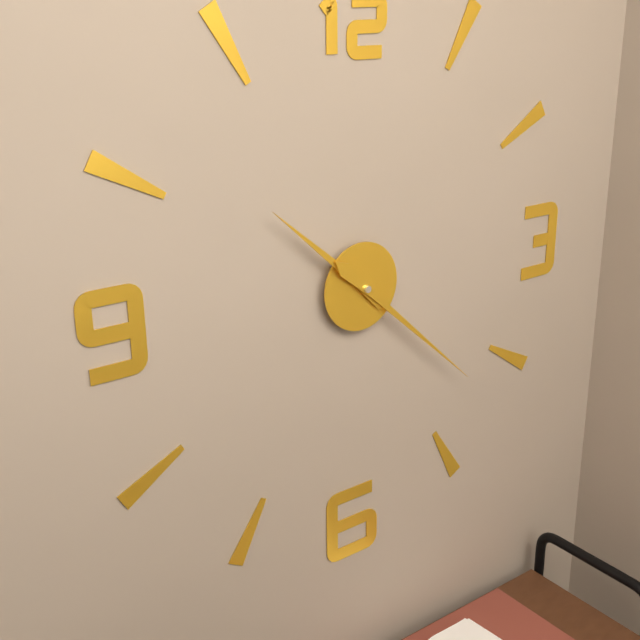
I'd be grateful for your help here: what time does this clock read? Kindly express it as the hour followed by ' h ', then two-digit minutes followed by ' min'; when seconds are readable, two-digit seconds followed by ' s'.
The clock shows 10 h 22 min
